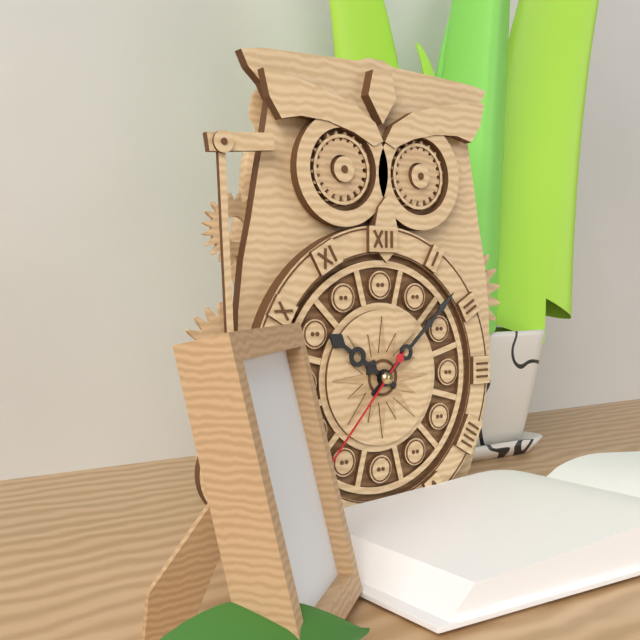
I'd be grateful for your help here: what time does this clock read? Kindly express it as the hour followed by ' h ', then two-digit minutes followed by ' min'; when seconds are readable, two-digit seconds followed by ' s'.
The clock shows 10 h 08 min 37 s
